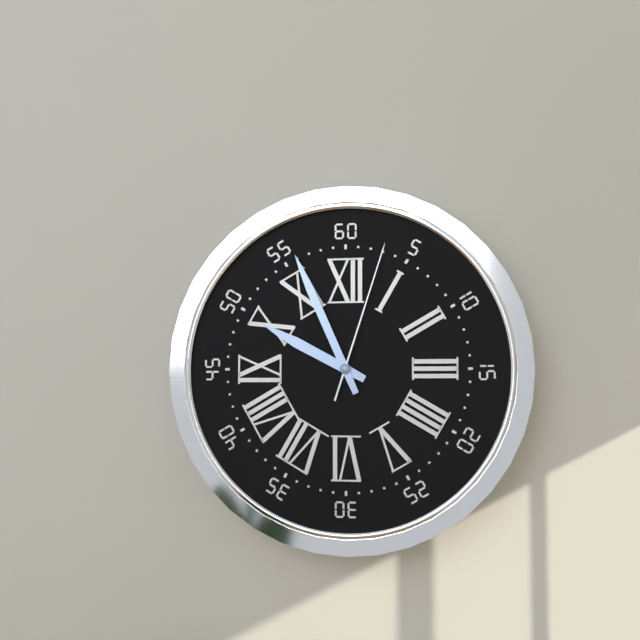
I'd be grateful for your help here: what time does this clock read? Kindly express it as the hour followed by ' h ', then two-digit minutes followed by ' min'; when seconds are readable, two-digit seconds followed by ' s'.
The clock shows 9 h 56 min 03 s
